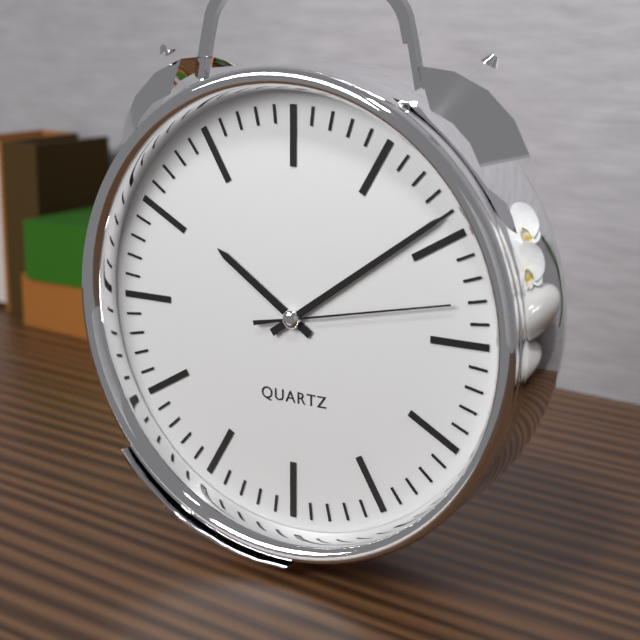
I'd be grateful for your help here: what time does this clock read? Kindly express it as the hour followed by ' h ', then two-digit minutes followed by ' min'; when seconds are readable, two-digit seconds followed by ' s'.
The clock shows 10 h 09 min 13 s
